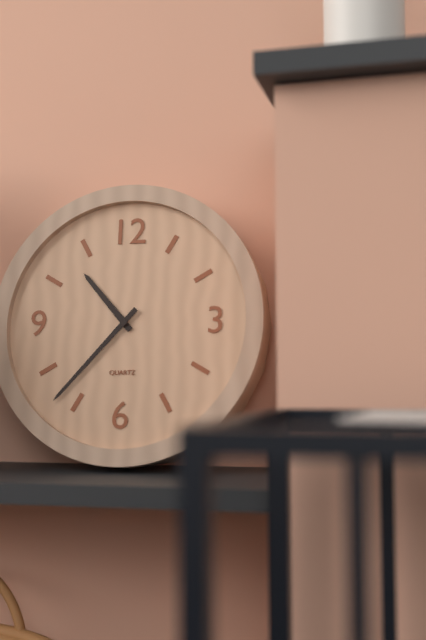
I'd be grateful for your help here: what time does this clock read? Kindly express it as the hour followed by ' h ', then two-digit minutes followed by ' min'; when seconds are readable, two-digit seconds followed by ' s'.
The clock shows 10 h 37 min
